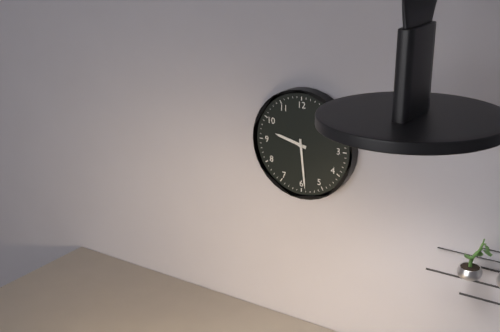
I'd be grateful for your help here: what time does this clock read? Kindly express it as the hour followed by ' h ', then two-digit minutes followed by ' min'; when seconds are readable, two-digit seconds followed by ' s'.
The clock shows 9 h 29 min
